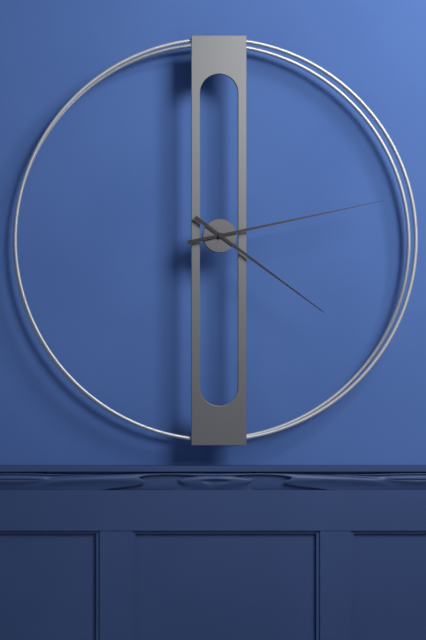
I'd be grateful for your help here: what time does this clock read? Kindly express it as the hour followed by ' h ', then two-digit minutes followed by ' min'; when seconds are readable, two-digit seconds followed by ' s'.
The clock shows 4 h 13 min
